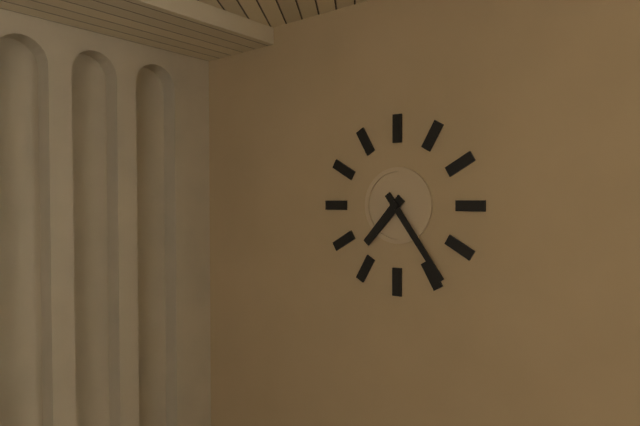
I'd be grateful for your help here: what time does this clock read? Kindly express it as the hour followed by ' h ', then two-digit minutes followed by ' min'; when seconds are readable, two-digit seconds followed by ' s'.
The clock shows 7 h 24 min
